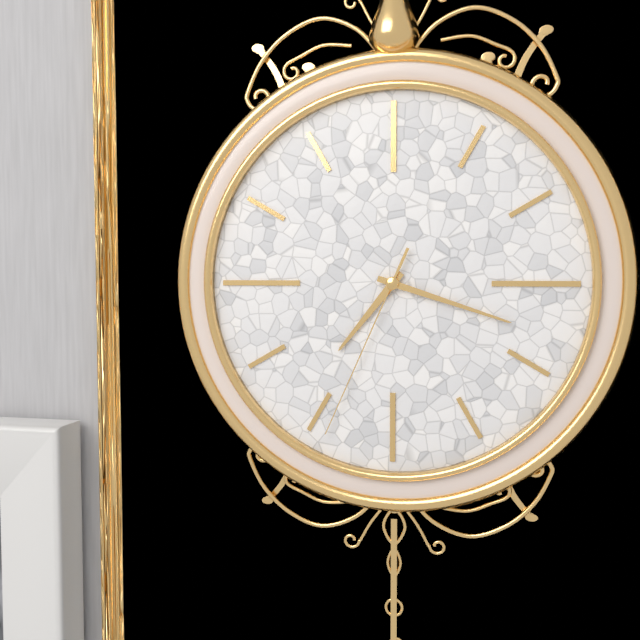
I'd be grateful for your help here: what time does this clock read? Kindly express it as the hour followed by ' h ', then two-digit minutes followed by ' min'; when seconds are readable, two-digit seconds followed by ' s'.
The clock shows 7 h 18 min 34 s
